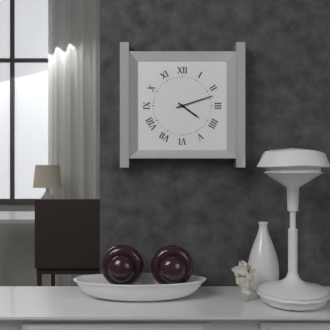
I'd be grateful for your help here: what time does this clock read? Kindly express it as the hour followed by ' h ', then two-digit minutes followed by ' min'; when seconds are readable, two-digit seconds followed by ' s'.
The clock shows 4 h 12 min
